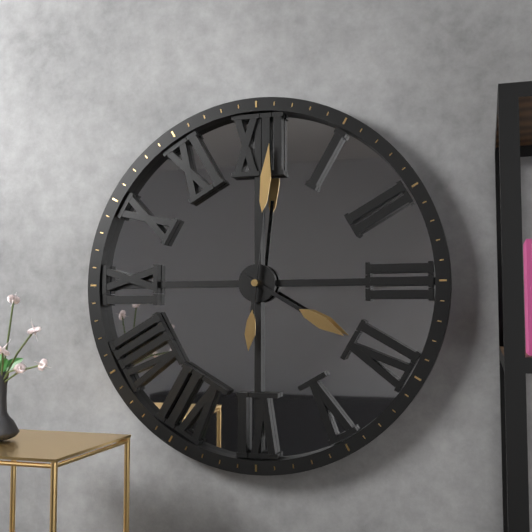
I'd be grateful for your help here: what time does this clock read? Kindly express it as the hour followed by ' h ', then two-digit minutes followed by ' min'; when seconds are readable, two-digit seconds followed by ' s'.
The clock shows 4 h 01 min
